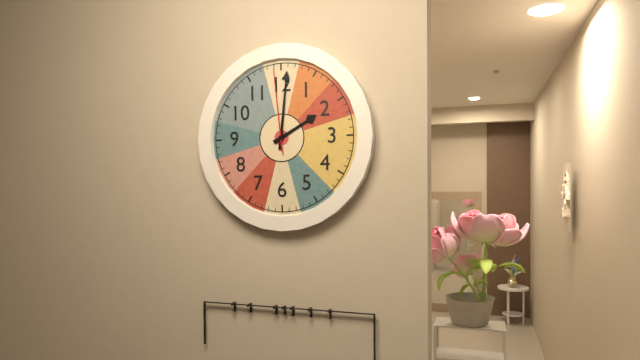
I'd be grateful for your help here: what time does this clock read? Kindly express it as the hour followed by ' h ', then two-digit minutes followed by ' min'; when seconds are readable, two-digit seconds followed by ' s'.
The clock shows 2 h 01 min 59 s
